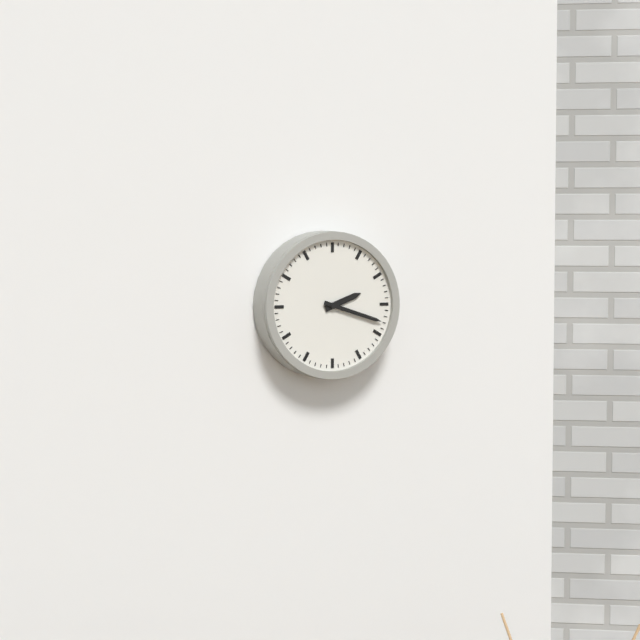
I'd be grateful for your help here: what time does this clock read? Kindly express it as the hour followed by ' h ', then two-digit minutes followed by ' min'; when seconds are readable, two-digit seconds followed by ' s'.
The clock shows 2 h 18 min
